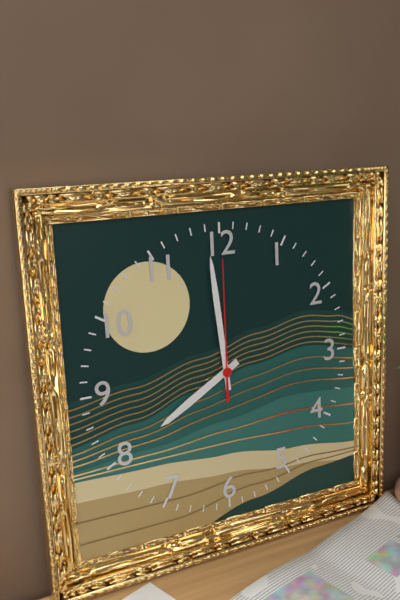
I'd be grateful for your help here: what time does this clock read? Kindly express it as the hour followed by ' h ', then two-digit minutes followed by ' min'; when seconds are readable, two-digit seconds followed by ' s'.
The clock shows 7 h 59 min 00 s
